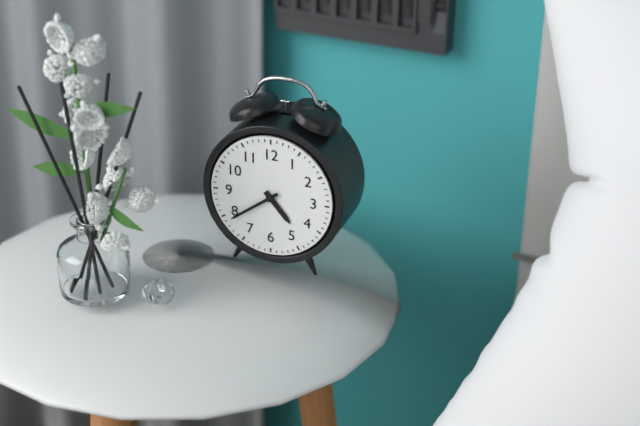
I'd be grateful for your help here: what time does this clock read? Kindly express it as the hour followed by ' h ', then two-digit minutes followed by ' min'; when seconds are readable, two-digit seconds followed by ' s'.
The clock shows 4 h 39 min
